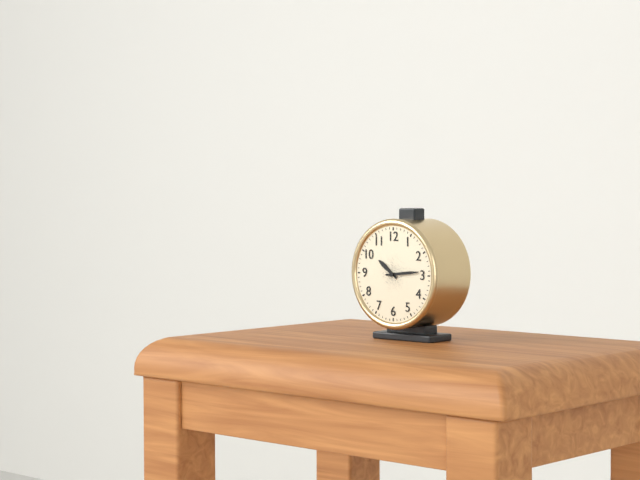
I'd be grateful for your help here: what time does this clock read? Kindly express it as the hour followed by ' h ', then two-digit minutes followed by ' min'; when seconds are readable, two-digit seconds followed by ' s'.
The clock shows 10 h 14 min
